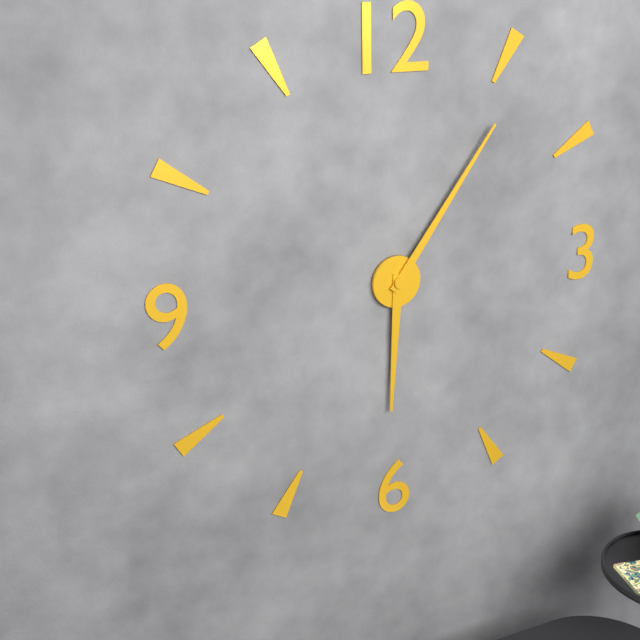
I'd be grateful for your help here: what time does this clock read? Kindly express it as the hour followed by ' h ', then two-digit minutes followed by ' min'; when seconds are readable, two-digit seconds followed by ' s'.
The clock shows 6 h 06 min
